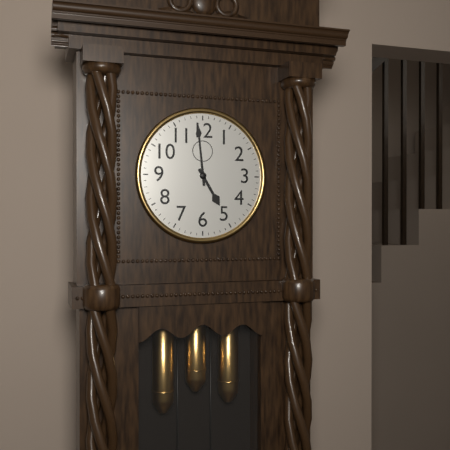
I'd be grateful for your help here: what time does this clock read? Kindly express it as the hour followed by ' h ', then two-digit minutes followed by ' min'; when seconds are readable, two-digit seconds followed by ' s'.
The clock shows 4 h 59 min
